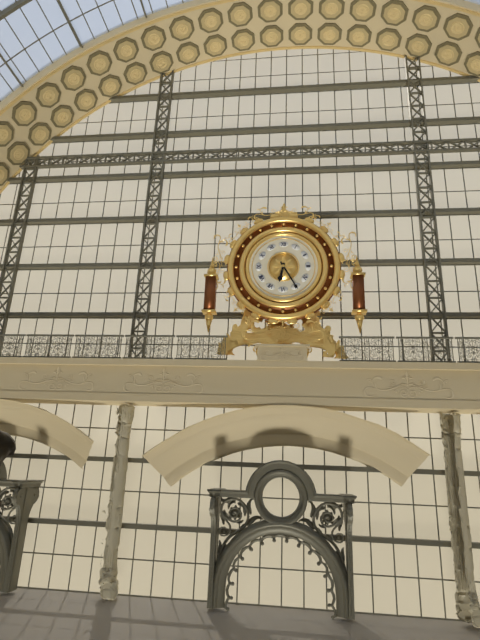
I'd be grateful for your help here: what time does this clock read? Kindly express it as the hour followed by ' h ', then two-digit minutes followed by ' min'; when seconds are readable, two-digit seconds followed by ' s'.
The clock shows 6 h 25 min
